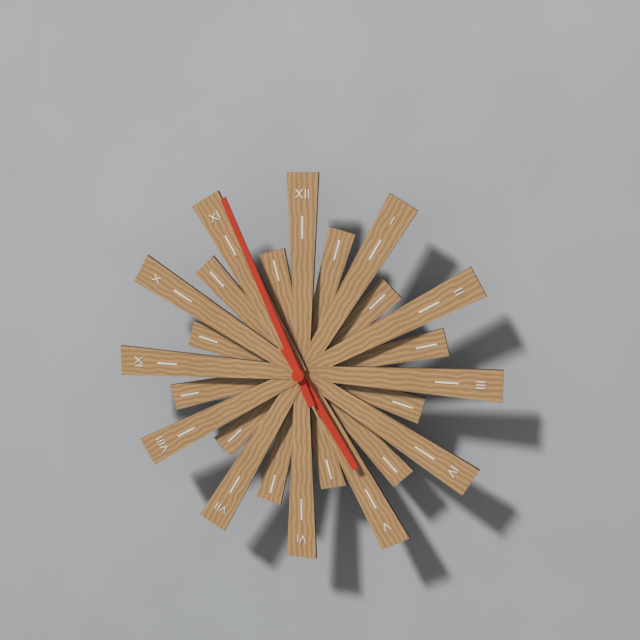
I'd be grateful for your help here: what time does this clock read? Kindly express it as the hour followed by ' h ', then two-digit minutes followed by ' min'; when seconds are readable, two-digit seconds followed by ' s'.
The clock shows 4 h 56 min
